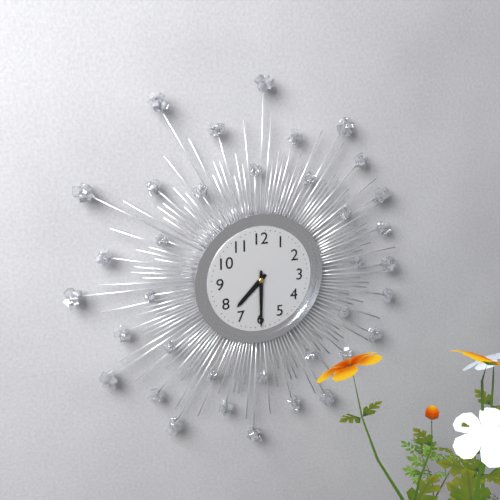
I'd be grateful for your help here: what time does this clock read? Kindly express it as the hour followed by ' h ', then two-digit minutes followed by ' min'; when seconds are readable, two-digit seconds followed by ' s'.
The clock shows 7 h 30 min
